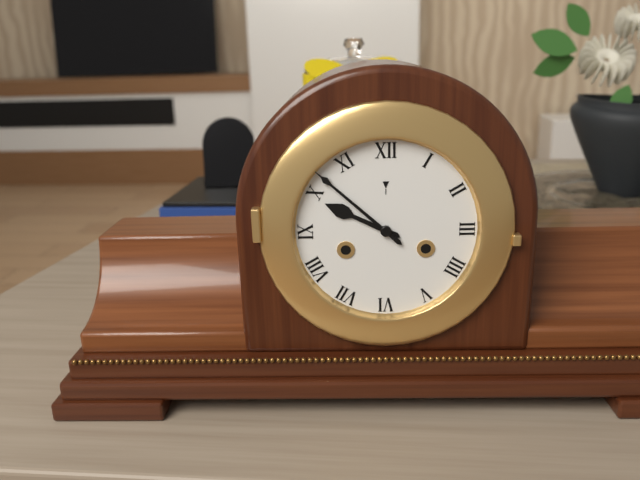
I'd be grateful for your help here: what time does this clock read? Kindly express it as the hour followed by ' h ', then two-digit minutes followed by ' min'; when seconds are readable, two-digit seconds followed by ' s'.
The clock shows 9 h 52 min
